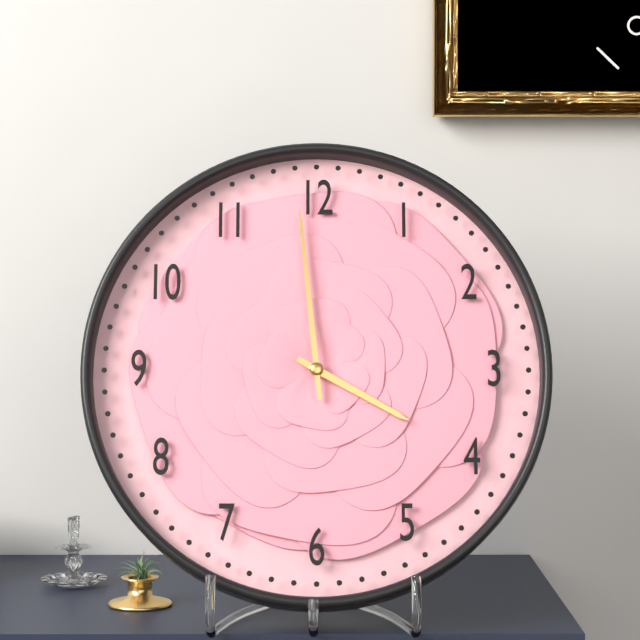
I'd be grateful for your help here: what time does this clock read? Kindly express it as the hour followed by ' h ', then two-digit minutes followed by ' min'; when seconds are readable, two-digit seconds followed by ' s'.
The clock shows 3 h 59 min
